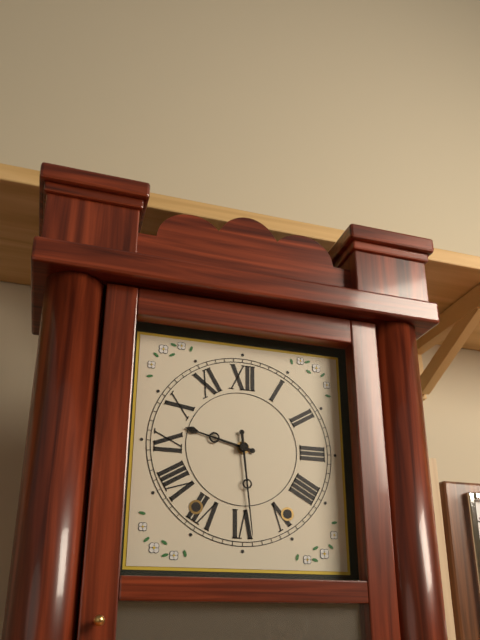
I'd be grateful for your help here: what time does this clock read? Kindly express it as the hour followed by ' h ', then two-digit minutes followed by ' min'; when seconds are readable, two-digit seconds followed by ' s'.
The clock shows 9 h 29 min
